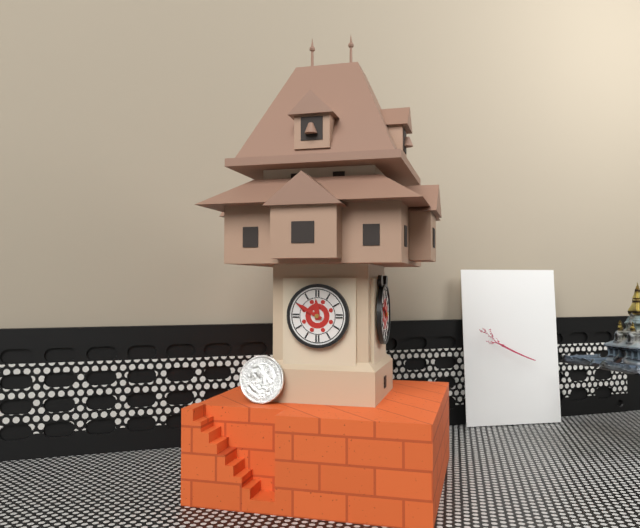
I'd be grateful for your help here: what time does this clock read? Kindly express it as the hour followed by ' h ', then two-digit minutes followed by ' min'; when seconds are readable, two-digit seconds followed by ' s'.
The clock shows 11 h 50 min
